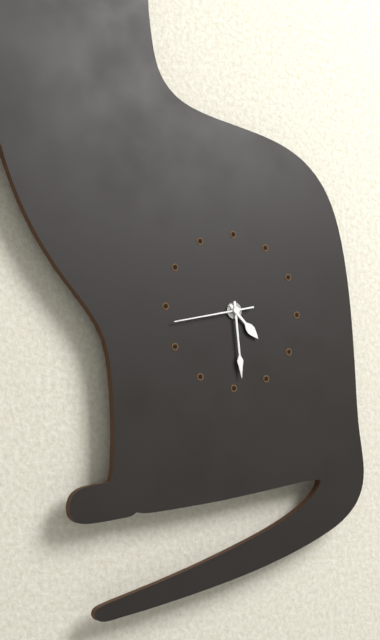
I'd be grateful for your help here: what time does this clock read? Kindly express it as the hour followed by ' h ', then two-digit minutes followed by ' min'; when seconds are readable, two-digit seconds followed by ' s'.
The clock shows 4 h 29 min 43 s
